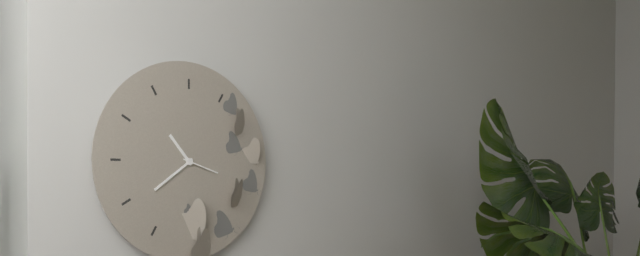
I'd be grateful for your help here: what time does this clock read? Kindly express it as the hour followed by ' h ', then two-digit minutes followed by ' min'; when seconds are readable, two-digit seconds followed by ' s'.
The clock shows 10 h 39 min
